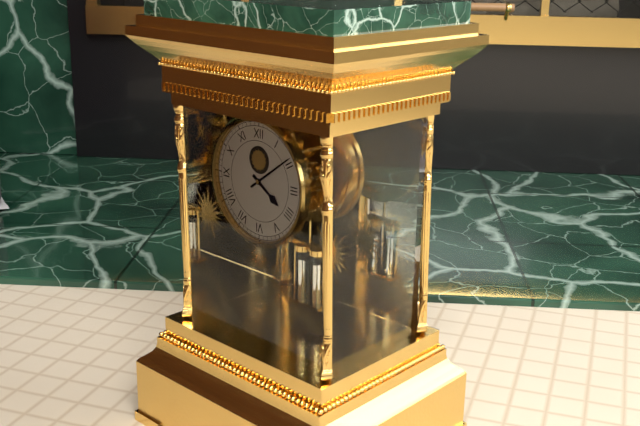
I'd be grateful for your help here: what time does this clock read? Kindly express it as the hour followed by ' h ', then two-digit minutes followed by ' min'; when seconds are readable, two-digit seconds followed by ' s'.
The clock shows 4 h 09 min
